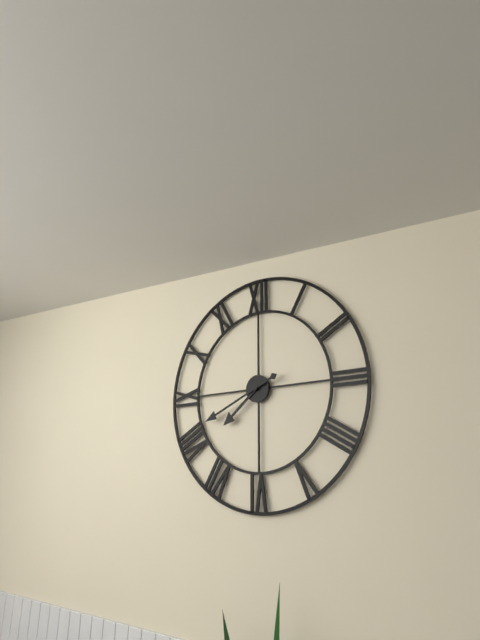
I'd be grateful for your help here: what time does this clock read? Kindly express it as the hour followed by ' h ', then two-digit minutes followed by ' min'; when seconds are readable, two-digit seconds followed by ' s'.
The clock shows 7 h 41 min
